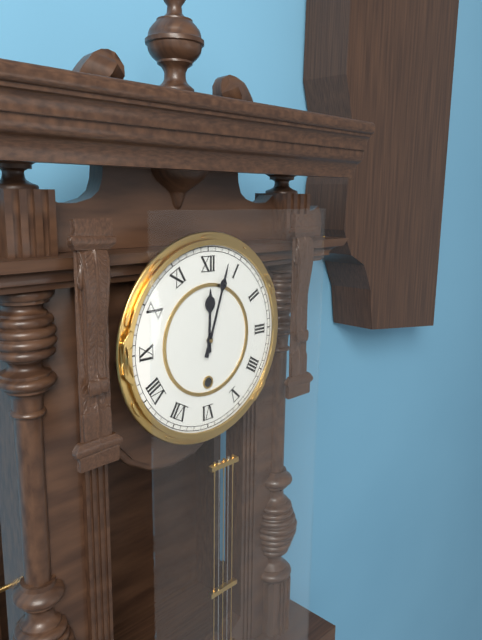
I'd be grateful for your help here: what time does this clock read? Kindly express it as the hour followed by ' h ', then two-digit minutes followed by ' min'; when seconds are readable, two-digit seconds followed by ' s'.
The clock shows 12 h 03 min
